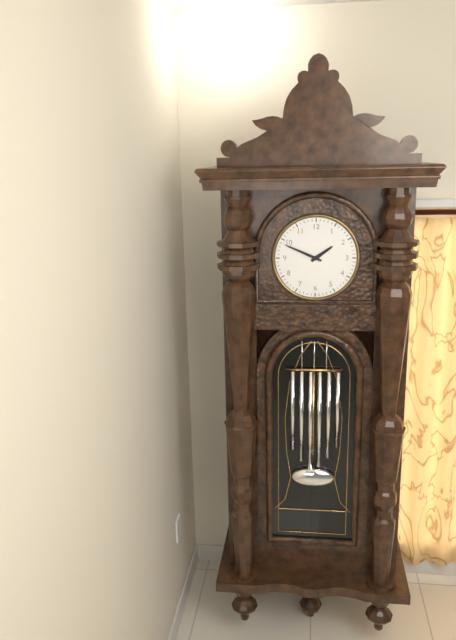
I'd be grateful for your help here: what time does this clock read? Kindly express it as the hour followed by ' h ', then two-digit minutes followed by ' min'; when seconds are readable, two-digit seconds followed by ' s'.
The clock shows 1 h 49 min
